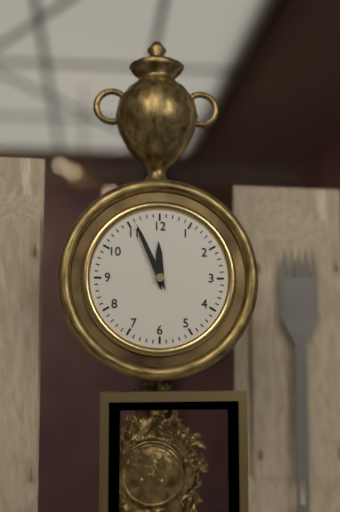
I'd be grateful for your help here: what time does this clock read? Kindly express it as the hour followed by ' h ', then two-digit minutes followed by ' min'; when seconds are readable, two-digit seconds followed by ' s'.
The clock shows 11 h 56 min
